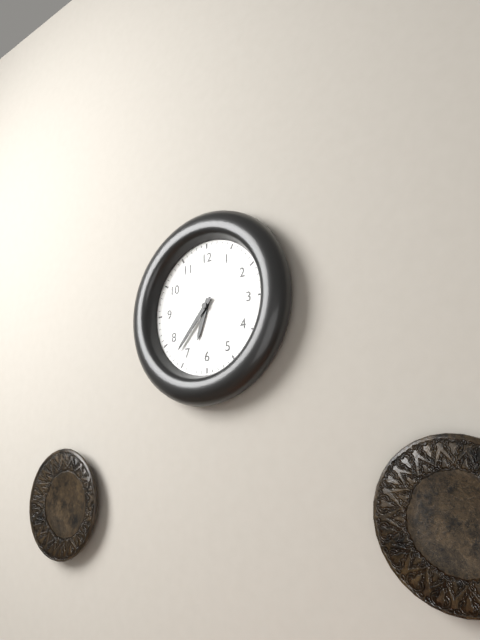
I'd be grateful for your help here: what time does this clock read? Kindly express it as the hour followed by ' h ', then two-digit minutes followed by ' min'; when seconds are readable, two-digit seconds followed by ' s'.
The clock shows 6 h 37 min
